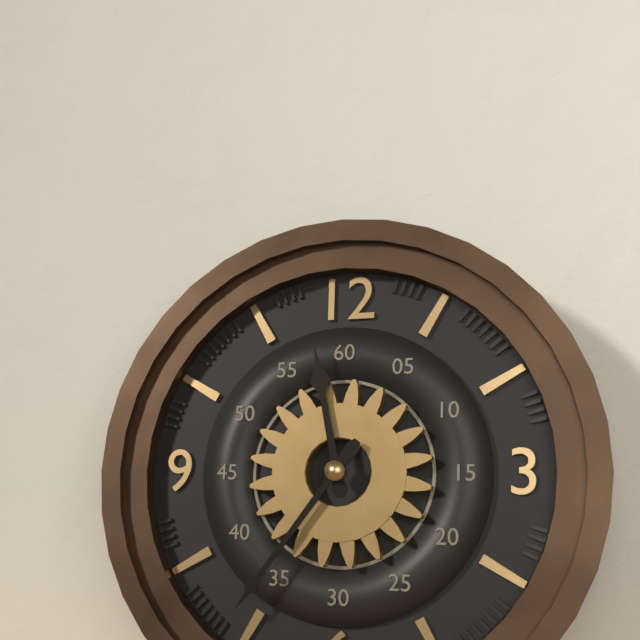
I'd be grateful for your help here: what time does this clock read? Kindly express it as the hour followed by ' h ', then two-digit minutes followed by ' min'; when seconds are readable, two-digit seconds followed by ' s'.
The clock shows 11 h 36 min
